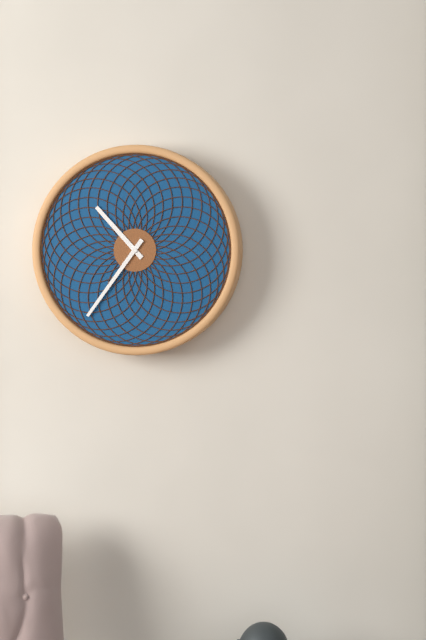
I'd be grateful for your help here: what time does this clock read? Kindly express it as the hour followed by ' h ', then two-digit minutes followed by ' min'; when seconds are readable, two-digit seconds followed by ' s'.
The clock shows 10 h 36 min
